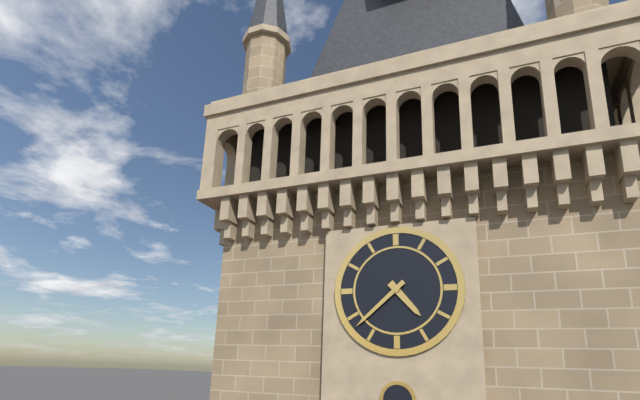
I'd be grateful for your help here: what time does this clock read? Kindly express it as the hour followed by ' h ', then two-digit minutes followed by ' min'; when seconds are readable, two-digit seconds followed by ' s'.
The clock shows 4 h 38 min
